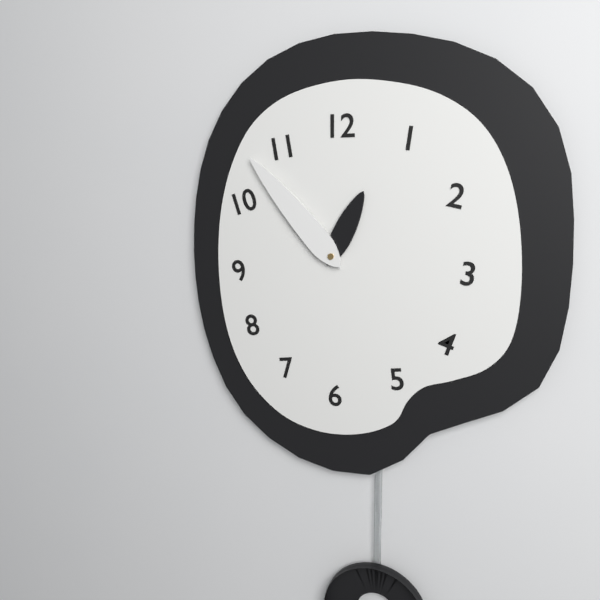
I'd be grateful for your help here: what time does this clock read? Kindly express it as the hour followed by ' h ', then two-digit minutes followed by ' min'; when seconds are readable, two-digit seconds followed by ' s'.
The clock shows 12 h 53 min
